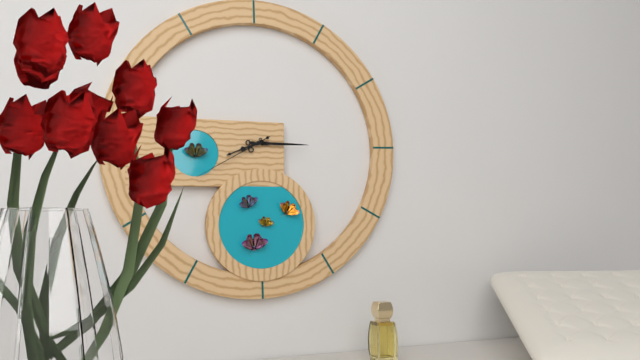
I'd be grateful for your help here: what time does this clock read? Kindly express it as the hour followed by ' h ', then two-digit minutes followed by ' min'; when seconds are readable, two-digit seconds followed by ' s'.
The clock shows 8 h 15 min 40 s
